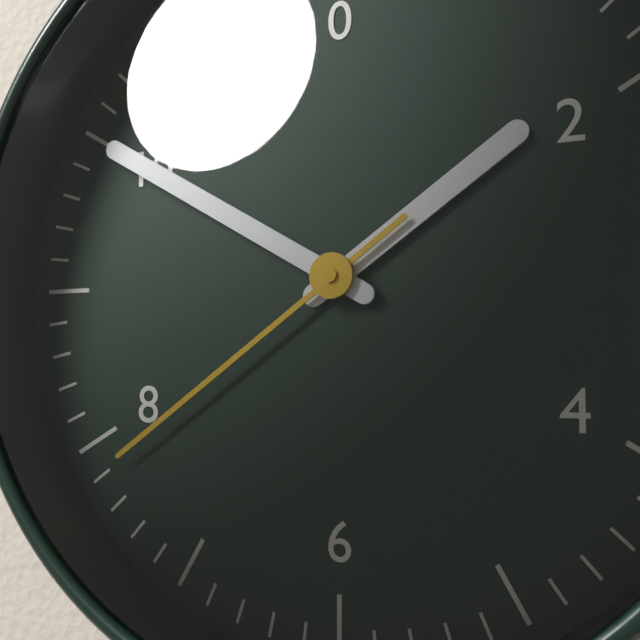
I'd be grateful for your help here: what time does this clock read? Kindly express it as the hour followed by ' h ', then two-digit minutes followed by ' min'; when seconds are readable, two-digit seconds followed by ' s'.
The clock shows 1 h 50 min 39 s
